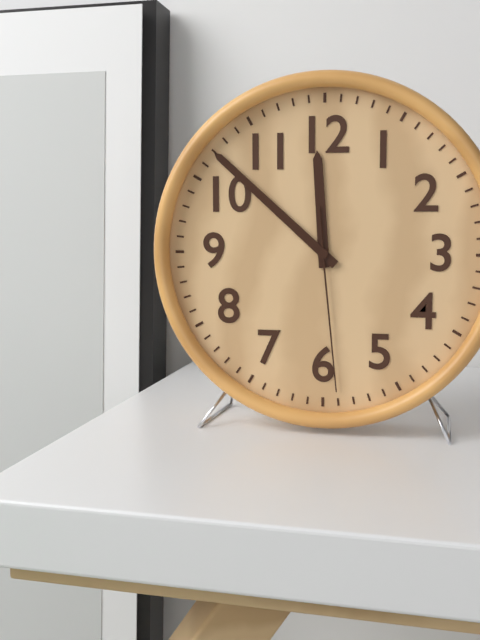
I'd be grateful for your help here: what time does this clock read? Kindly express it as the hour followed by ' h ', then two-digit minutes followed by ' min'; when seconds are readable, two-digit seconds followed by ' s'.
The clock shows 11 h 52 min 29 s
